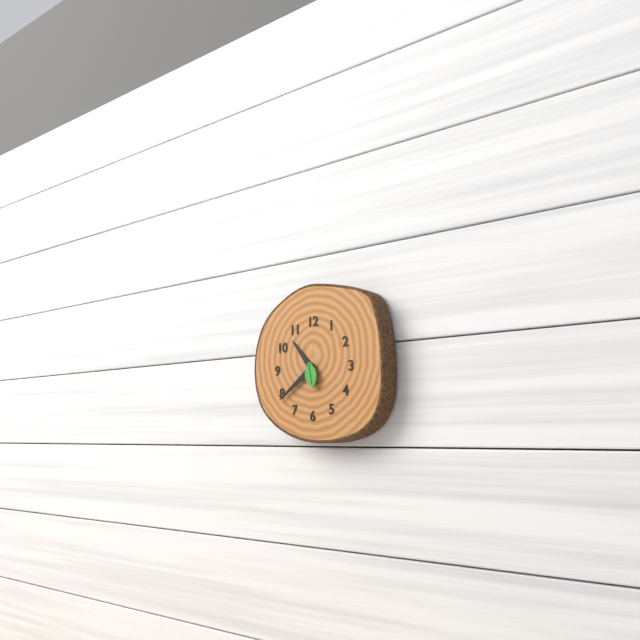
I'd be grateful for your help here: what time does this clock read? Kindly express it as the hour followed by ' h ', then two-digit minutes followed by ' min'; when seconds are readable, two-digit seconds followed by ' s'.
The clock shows 10 h 39 min
